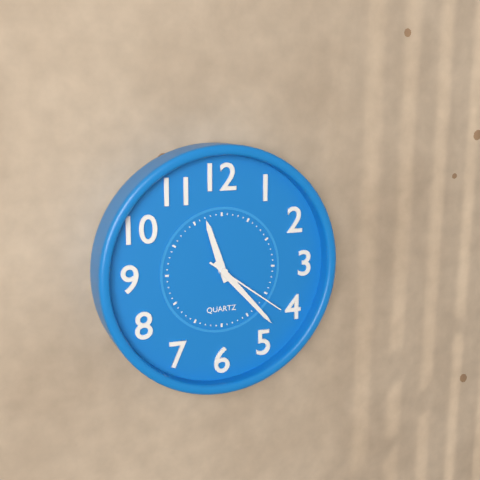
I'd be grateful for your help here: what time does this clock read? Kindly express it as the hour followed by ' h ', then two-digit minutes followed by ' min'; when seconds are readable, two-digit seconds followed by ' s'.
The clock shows 11 h 23 min 21 s
